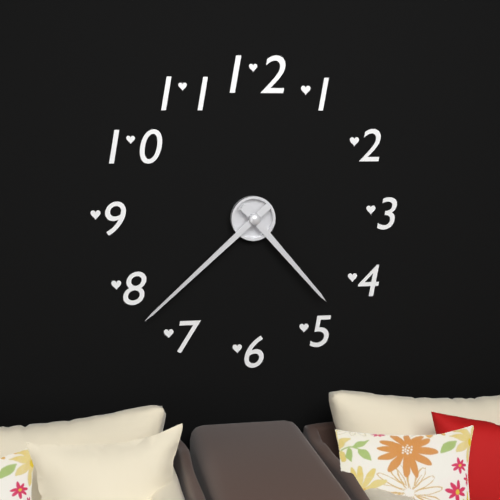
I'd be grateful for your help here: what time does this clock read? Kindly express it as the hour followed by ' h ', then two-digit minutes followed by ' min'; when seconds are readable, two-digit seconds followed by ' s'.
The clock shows 4 h 38 min
